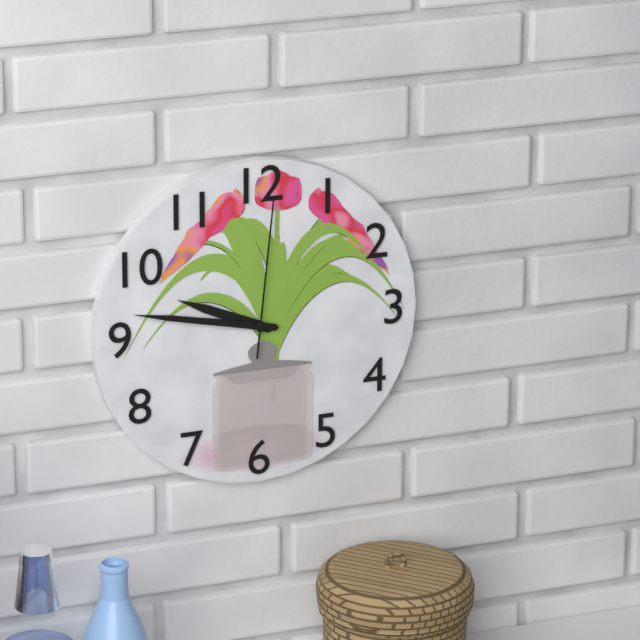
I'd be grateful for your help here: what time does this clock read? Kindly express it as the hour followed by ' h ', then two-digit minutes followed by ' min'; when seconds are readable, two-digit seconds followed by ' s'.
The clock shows 9 h 47 min 01 s
